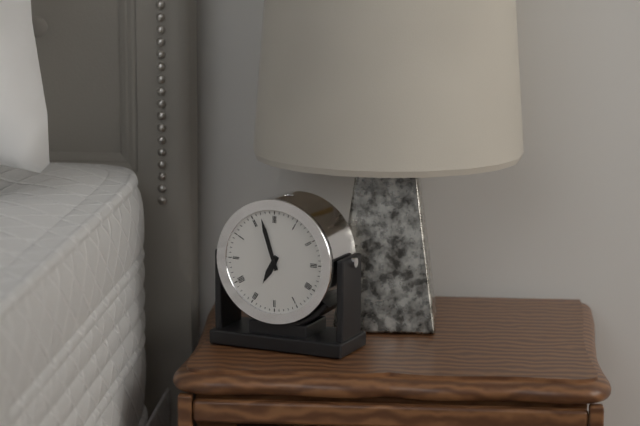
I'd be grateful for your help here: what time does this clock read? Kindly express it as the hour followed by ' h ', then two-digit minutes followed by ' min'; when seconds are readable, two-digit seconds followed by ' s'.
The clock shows 6 h 57 min
